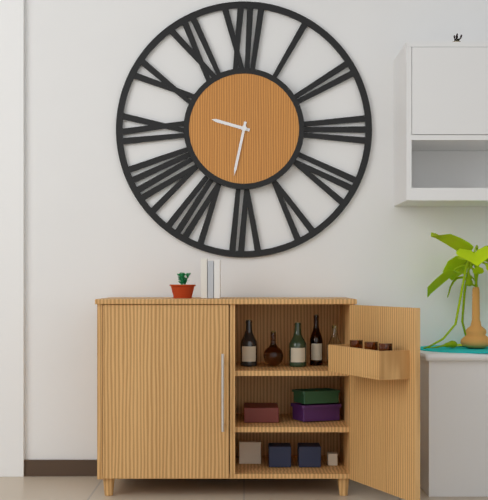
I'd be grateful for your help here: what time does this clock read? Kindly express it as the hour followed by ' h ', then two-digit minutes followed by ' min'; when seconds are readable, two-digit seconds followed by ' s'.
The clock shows 9 h 32 min
